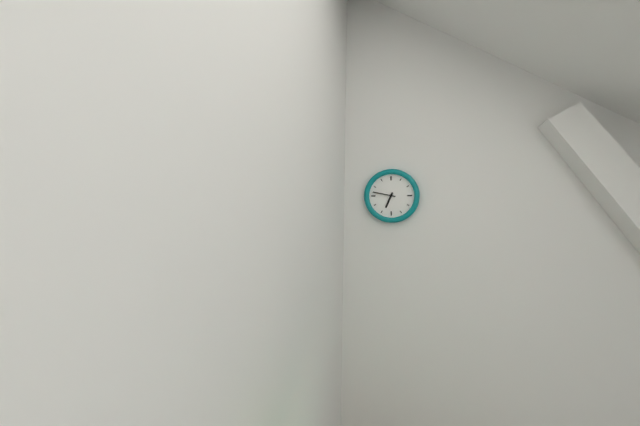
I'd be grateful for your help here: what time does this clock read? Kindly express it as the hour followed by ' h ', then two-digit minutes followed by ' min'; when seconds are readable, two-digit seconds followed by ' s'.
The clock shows 6 h 47 min
